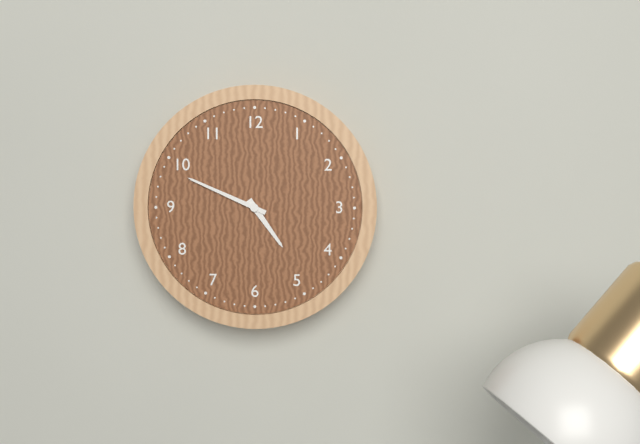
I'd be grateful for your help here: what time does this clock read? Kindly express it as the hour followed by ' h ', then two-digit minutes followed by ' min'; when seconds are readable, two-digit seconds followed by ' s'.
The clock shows 4 h 49 min
